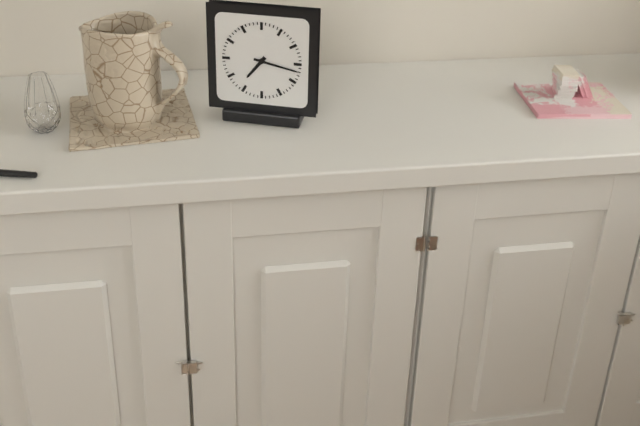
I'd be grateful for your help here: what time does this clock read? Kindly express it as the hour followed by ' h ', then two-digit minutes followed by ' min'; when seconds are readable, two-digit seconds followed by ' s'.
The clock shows 7 h 17 min
